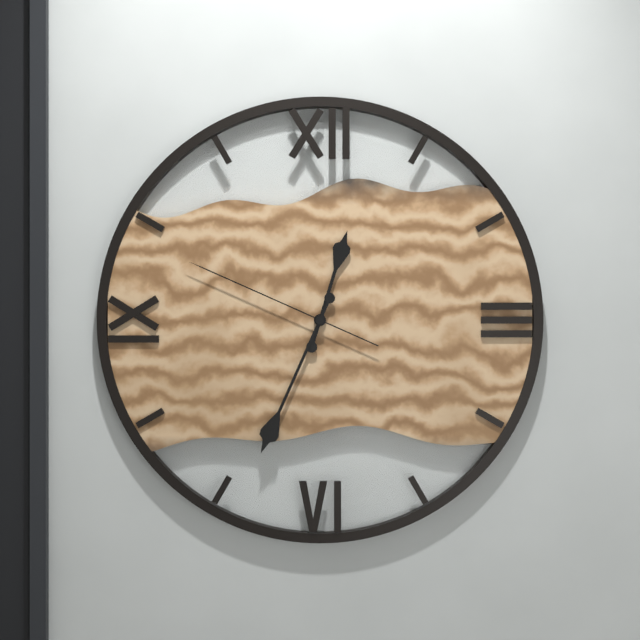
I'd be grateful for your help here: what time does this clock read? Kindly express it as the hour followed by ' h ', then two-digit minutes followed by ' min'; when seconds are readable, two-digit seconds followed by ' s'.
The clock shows 12 h 34 min 49 s
